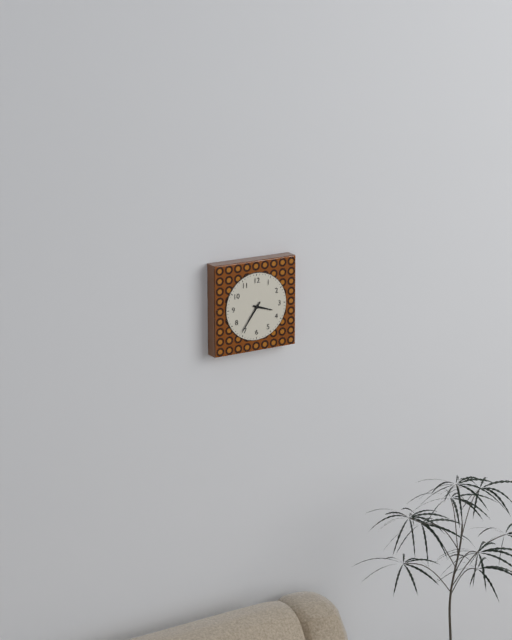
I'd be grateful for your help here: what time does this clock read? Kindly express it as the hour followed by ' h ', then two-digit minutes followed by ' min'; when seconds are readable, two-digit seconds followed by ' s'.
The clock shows 3 h 36 min
